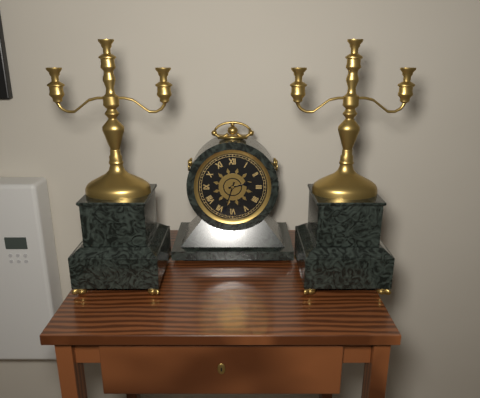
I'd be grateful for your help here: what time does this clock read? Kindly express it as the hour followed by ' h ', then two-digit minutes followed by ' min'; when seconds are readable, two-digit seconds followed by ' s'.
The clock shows 2 h 33 min
